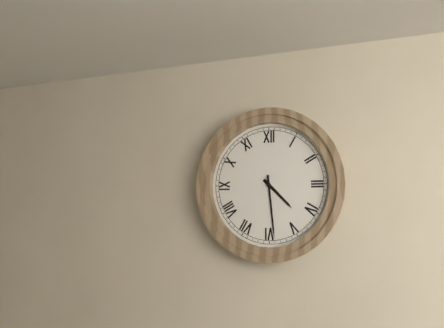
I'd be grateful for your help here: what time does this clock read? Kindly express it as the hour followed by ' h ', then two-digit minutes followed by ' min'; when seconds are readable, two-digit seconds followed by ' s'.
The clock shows 4 h 29 min
